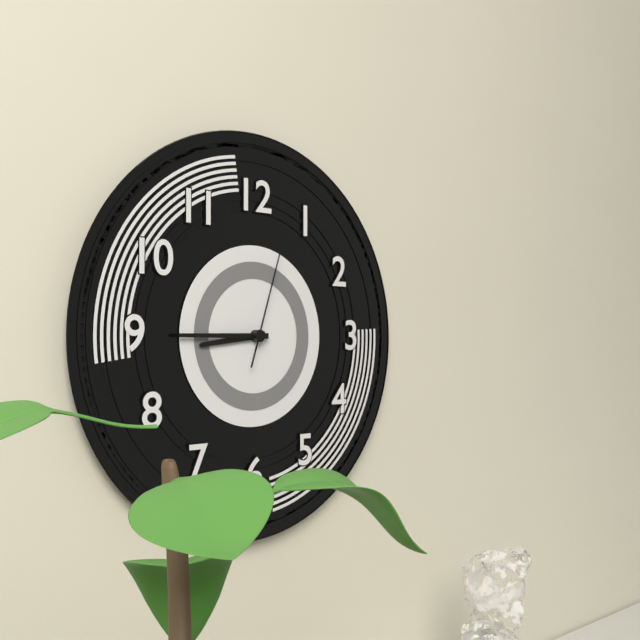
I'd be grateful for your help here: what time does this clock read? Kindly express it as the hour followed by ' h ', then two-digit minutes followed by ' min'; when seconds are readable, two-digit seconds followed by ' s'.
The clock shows 8 h 45 min 03 s
